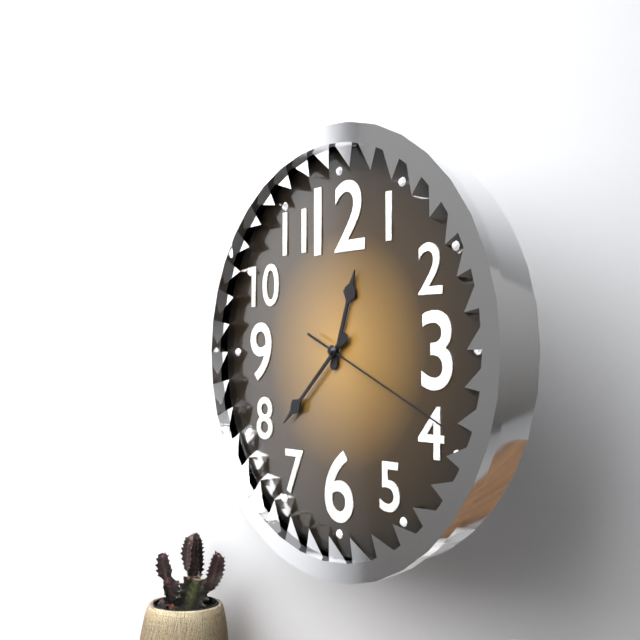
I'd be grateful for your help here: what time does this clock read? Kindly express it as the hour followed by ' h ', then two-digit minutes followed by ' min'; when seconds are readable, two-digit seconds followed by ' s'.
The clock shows 12 h 38 min 19 s
